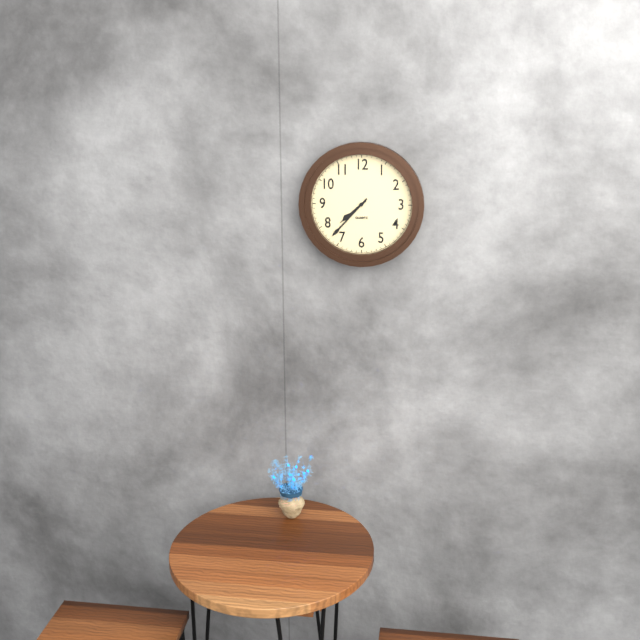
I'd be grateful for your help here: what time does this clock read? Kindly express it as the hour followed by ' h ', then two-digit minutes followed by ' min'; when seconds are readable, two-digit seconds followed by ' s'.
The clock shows 7 h 37 min
